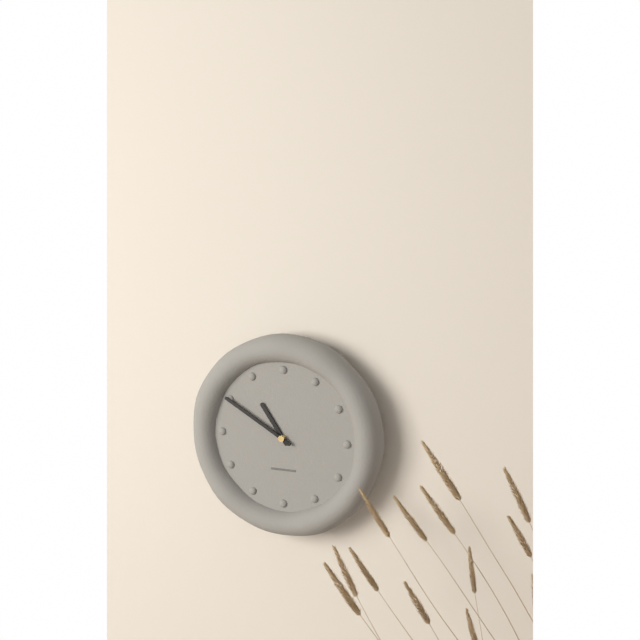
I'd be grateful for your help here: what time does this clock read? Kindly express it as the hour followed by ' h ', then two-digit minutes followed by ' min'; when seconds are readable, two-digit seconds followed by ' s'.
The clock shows 10 h 50 min
